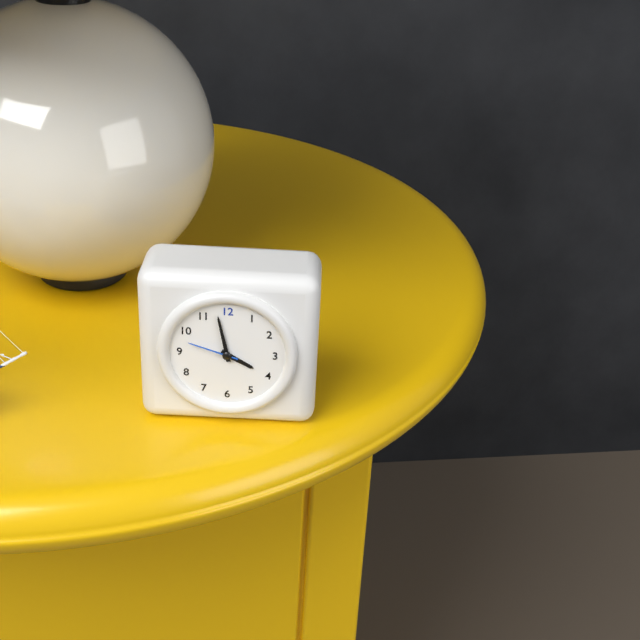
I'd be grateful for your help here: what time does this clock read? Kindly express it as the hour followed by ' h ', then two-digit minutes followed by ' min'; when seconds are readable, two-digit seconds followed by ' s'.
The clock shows 3 h 58 min 48 s
